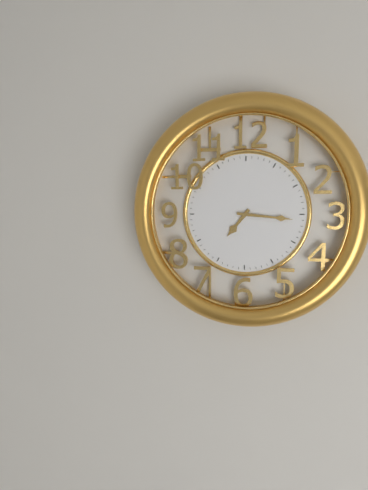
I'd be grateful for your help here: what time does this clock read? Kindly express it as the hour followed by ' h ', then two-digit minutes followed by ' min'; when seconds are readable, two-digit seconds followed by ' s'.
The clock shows 7 h 16 min
